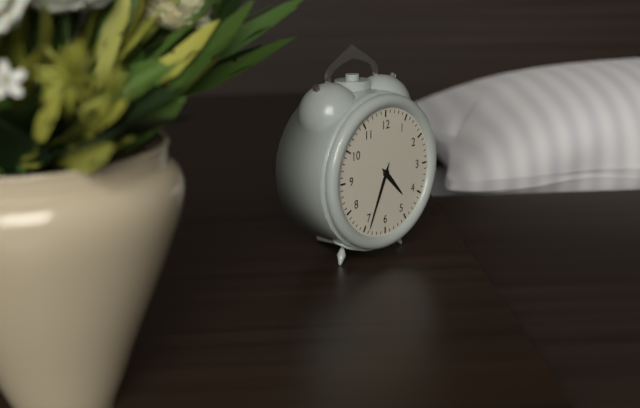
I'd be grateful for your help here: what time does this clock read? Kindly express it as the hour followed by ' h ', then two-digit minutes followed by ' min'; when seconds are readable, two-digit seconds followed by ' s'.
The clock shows 4 h 34 min
